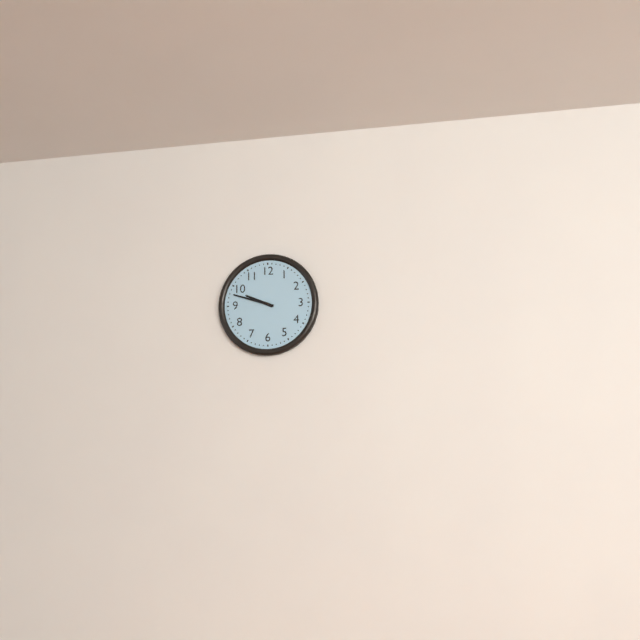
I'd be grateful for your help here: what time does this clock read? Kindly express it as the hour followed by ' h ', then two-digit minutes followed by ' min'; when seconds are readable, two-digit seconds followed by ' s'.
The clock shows 9 h 48 min
